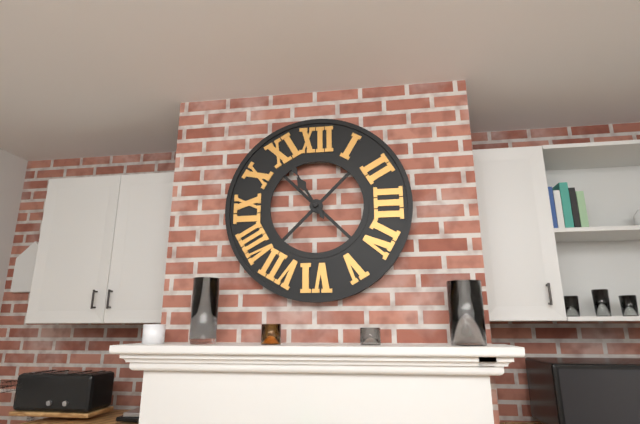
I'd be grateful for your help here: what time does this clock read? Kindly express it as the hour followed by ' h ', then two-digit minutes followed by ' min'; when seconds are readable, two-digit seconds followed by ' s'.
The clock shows 10 h 55 min
